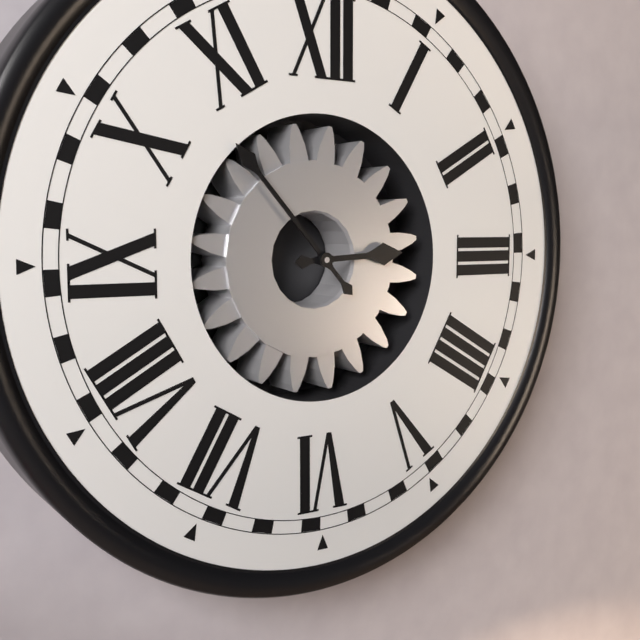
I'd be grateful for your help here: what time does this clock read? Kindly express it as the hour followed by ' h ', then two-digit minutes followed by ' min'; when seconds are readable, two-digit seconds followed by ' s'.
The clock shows 2 h 53 min
